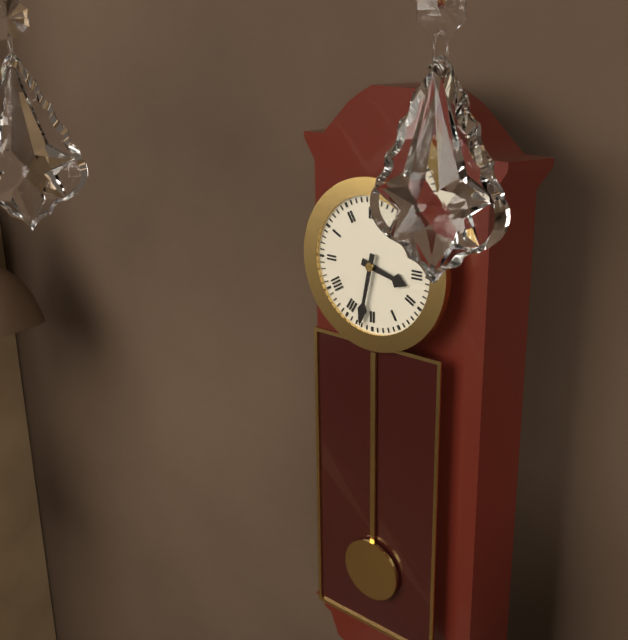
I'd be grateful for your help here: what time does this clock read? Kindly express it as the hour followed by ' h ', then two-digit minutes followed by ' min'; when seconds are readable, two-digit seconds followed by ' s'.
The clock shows 3 h 32 min
